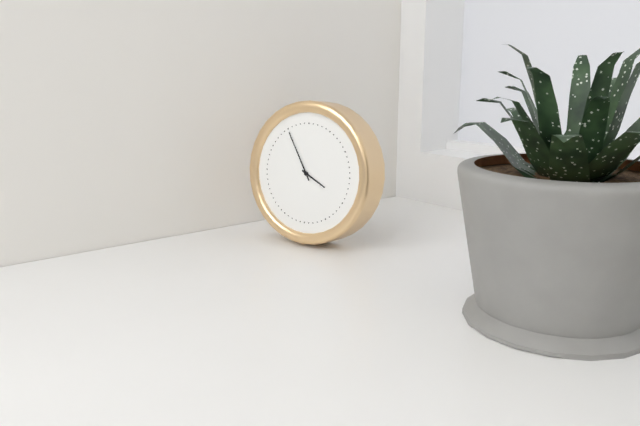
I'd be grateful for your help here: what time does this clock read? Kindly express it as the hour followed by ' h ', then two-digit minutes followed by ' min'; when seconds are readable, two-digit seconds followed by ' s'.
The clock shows 3 h 55 min
